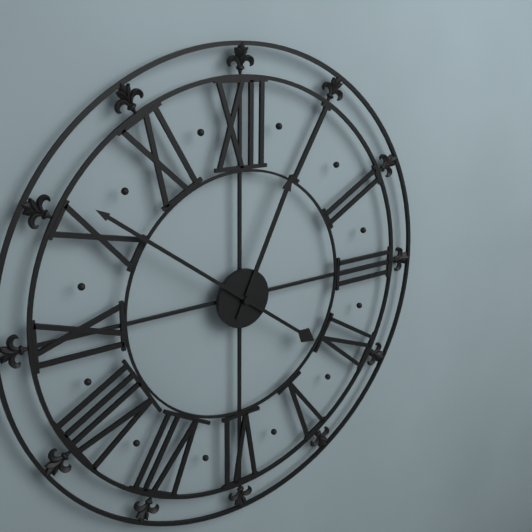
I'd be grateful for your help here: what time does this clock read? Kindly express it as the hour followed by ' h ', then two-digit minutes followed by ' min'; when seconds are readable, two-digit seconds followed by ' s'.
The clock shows 12 h 51 min
